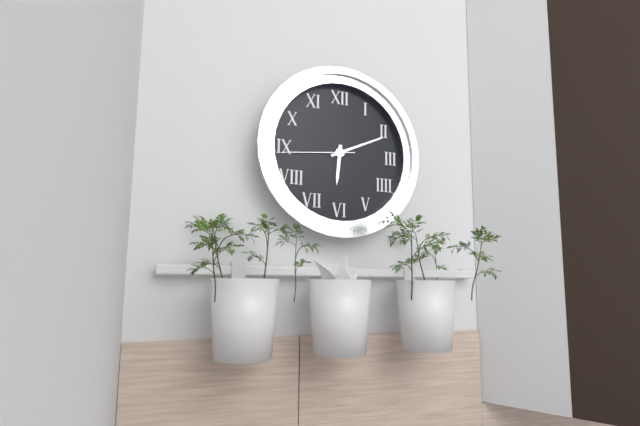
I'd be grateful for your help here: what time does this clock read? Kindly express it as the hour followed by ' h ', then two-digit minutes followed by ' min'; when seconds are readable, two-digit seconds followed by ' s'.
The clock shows 6 h 11 min 44 s
